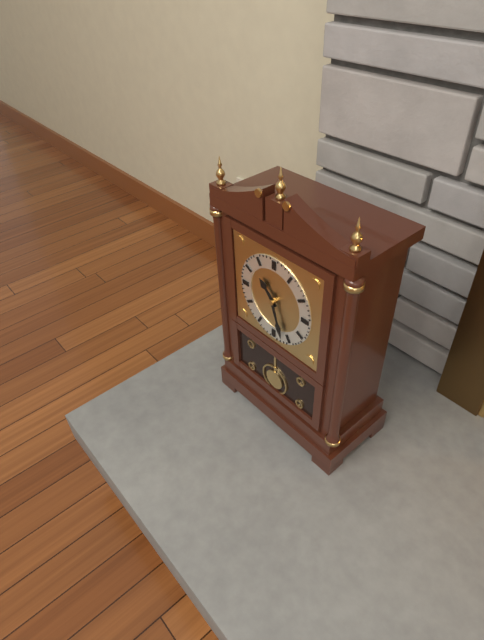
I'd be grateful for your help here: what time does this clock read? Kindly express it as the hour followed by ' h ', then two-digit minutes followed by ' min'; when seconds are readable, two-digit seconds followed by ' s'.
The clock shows 10 h 27 min
